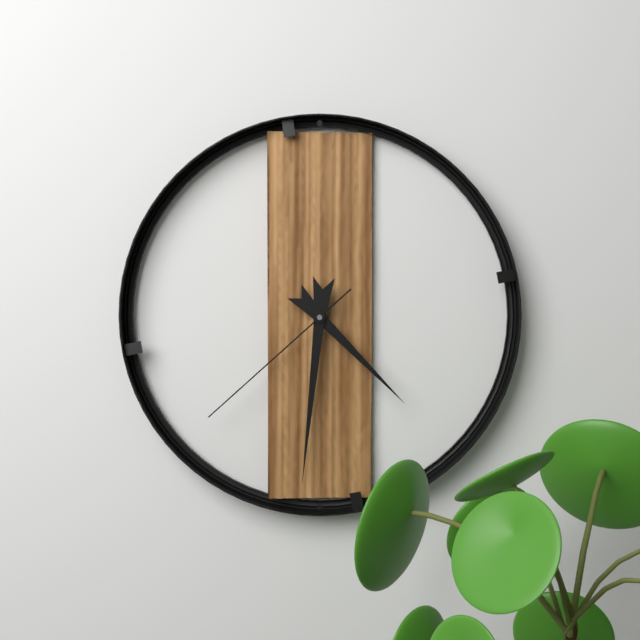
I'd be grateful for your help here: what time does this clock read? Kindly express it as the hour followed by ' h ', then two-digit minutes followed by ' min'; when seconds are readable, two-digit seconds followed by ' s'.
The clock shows 4 h 31 min 38 s
